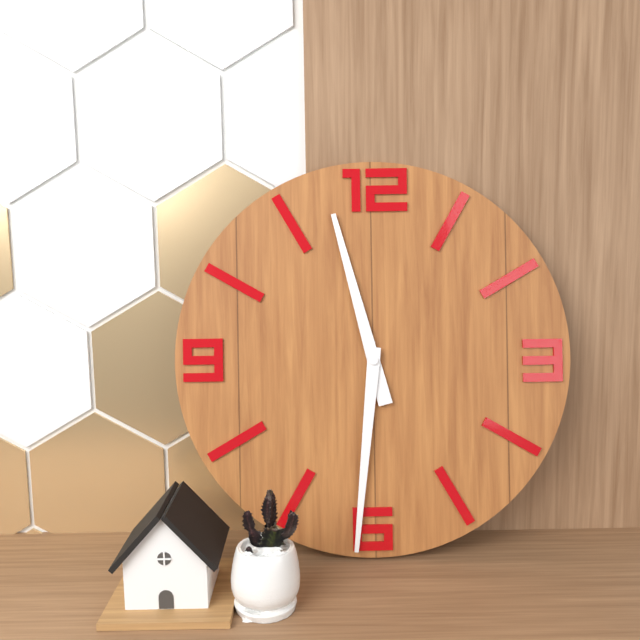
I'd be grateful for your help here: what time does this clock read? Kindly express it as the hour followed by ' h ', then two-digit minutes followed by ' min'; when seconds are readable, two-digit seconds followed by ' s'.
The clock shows 11 h 31 min
